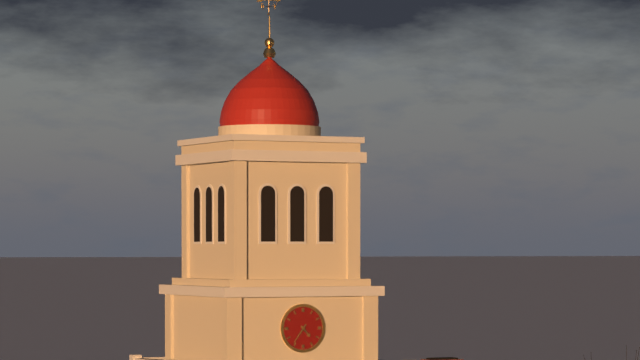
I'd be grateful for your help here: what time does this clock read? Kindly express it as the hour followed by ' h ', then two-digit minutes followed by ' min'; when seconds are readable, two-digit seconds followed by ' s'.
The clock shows 4 h 36 min
